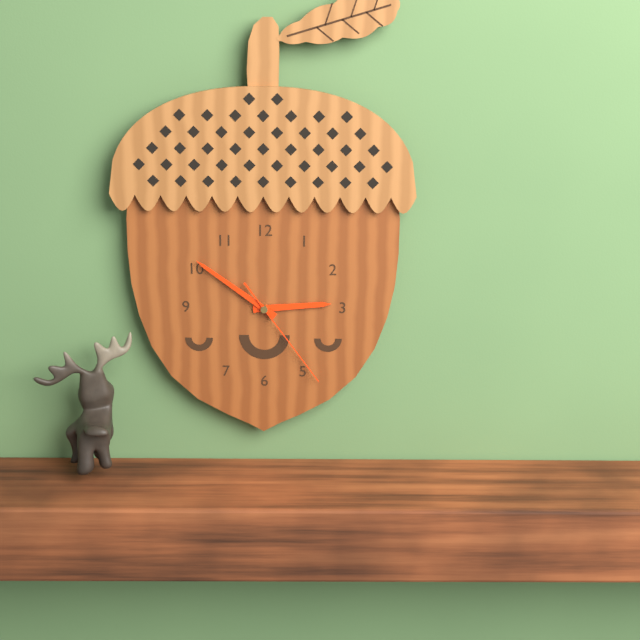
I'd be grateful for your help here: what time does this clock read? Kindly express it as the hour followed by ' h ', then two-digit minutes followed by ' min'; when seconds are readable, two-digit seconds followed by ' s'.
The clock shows 2 h 51 min 24 s
